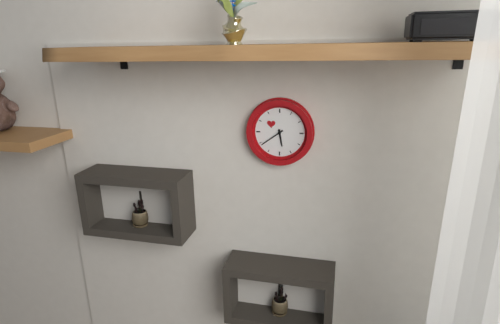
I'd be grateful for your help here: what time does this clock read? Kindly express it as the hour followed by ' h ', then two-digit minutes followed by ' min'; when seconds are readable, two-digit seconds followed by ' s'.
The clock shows 5 h 39 min
